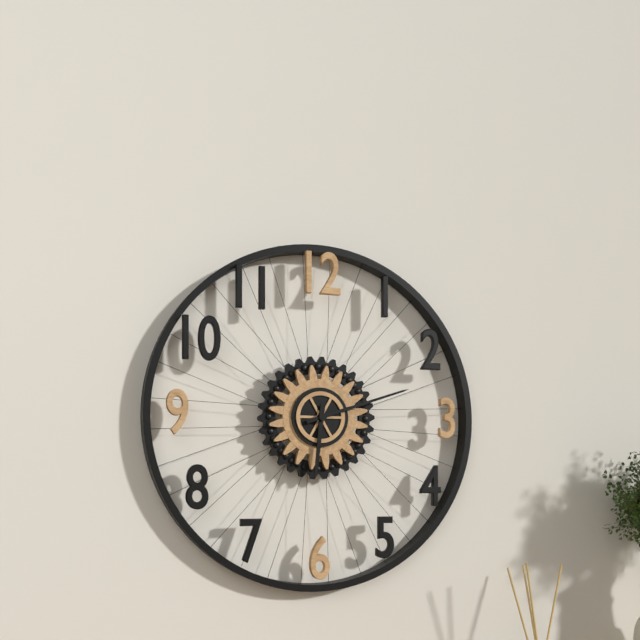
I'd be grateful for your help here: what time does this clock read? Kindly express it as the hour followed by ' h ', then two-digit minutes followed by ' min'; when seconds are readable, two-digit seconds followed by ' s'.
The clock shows 6 h 12 min
